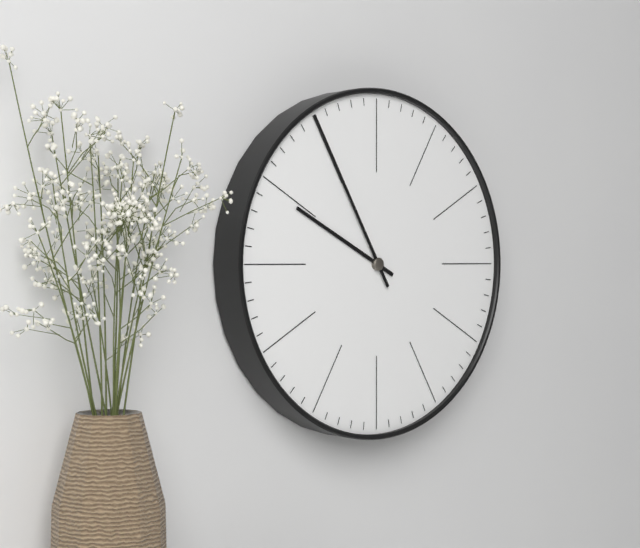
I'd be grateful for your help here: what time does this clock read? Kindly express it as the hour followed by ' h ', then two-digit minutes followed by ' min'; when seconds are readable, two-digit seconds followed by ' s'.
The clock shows 9 h 55 min
